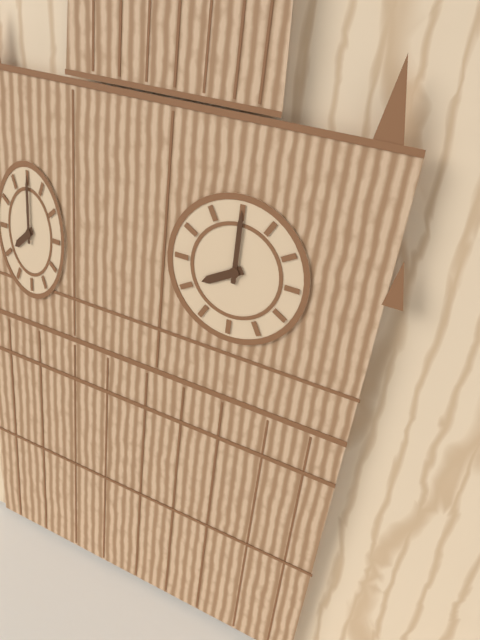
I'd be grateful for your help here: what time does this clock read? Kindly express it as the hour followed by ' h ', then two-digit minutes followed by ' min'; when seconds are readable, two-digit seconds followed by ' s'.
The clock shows 8 h 00 min
